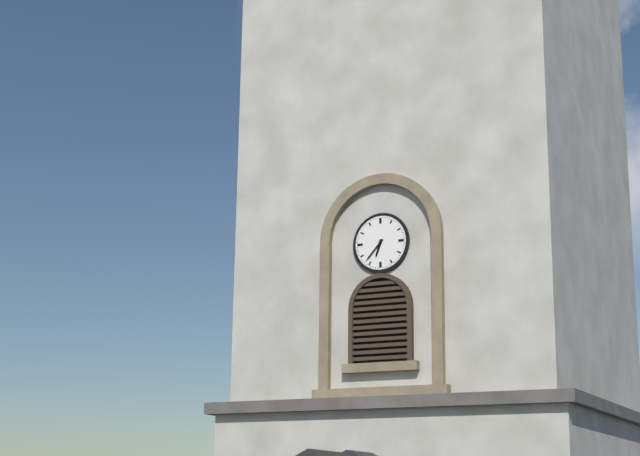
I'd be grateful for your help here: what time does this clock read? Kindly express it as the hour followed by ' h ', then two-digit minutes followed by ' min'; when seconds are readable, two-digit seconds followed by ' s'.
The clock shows 6 h 37 min
